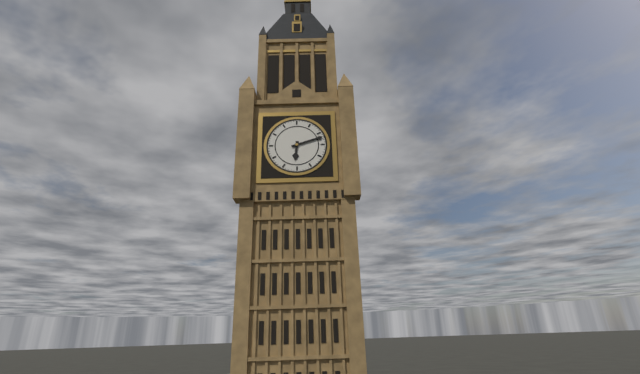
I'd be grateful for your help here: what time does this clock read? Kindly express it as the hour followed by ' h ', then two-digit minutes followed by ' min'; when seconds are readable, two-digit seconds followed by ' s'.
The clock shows 6 h 12 min
